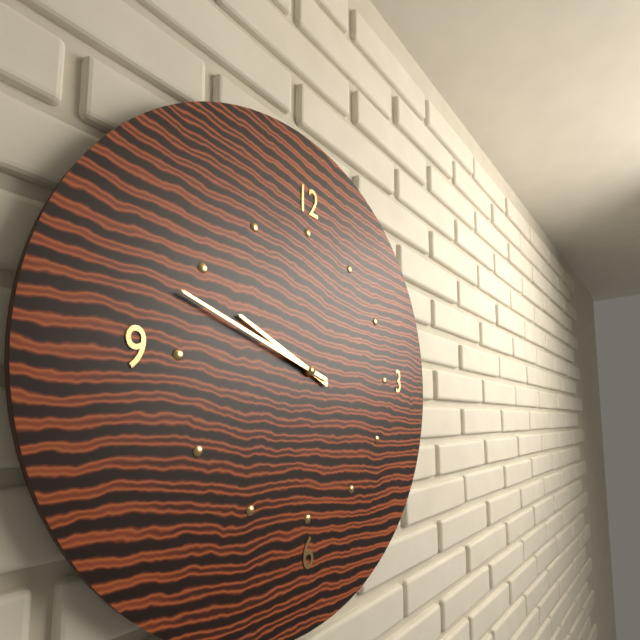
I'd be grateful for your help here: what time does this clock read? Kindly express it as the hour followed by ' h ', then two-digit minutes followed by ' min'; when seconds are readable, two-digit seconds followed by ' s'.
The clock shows 9 h 48 min
